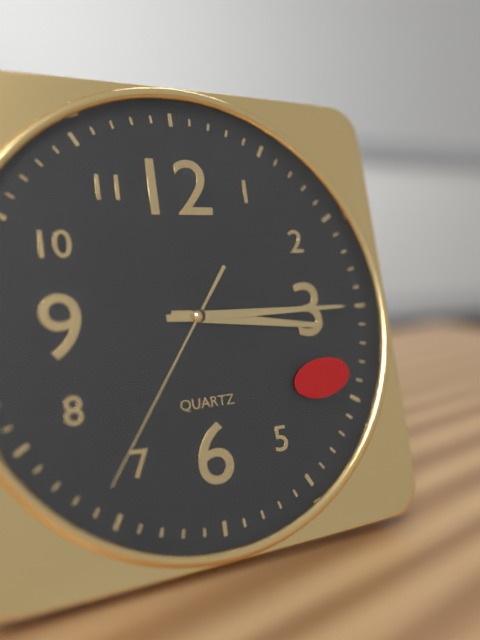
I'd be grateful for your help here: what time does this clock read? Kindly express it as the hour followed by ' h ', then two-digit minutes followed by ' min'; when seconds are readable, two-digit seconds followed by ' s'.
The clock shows 3 h 15 min 36 s
